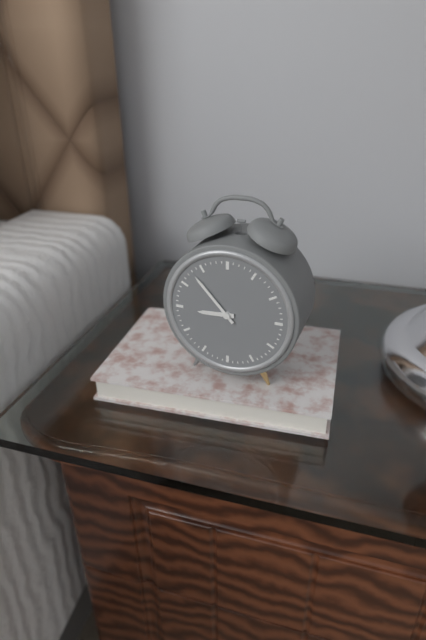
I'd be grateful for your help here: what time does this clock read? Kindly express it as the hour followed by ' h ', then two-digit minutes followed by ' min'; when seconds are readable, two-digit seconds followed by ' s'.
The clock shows 8 h 53 min
